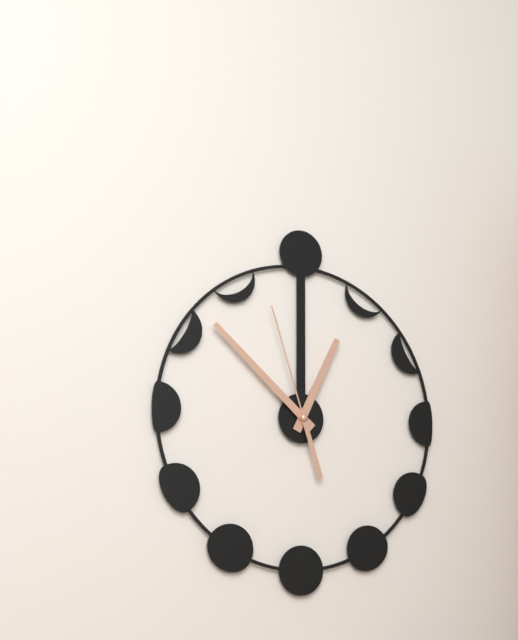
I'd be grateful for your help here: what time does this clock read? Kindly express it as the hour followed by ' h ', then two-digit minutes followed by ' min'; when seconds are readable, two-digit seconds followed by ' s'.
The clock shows 12 h 52 min 57 s
